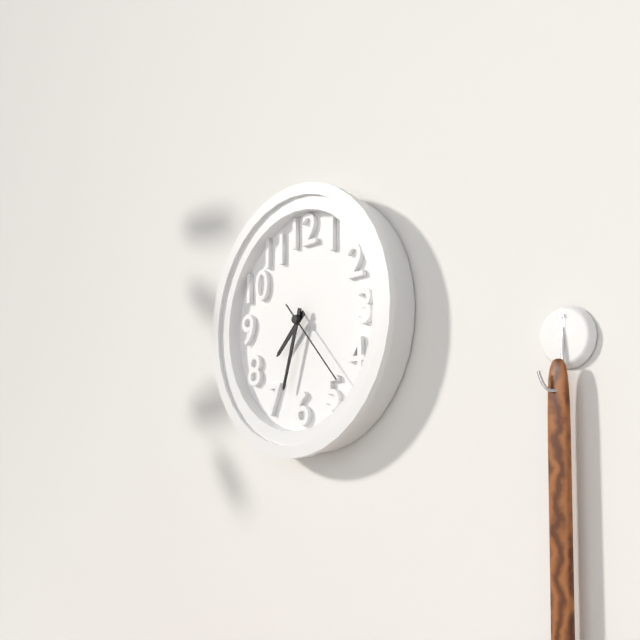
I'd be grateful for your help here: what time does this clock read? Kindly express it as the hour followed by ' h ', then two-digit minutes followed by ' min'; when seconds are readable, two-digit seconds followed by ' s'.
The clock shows 7 h 33 min 23 s
